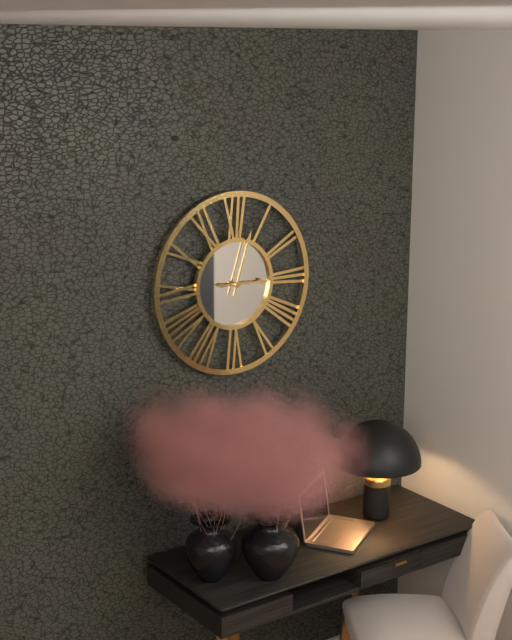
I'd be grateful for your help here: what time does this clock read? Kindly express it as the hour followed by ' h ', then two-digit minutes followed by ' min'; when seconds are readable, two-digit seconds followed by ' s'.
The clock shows 3 h 03 min
